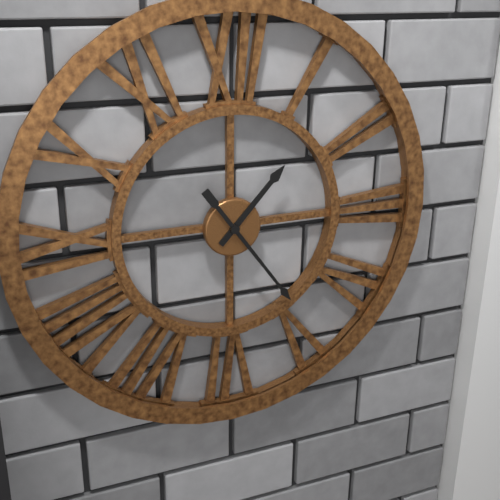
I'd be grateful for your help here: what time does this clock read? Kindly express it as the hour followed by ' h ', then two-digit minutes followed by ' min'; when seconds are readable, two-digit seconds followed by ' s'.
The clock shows 1 h 24 min
